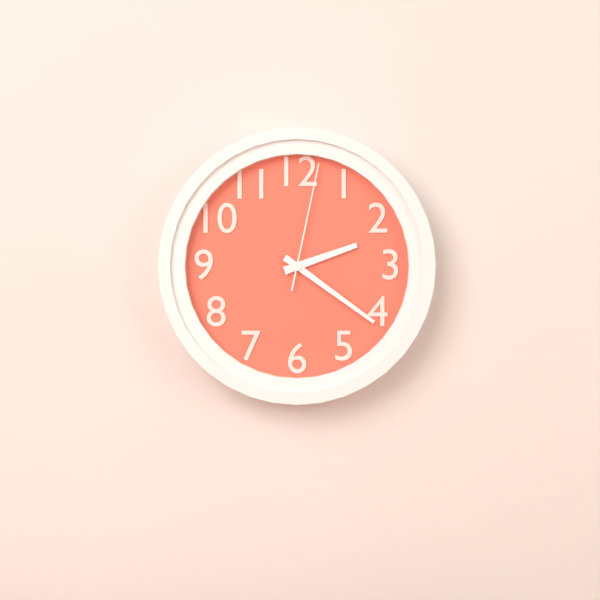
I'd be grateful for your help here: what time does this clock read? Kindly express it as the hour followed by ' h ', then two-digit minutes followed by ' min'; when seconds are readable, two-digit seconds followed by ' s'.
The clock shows 2 h 21 min 02 s
